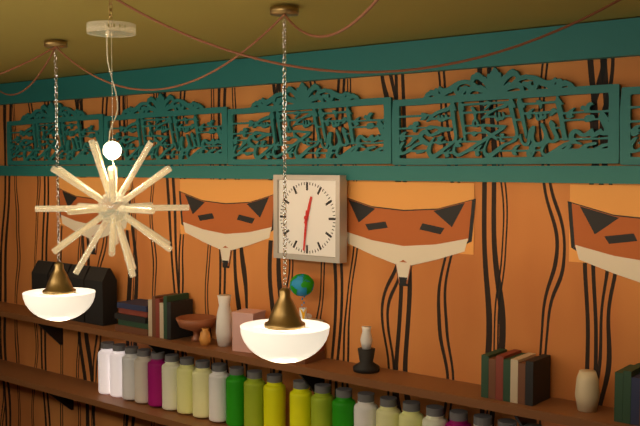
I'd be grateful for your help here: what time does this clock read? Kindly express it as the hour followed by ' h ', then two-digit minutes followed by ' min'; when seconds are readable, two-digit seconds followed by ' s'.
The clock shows 12 h 31 min
